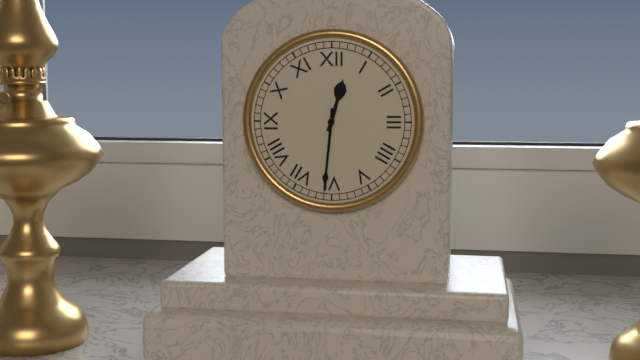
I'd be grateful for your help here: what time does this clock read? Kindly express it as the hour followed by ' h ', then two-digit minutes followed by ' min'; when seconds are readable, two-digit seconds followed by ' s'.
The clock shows 12 h 31 min
